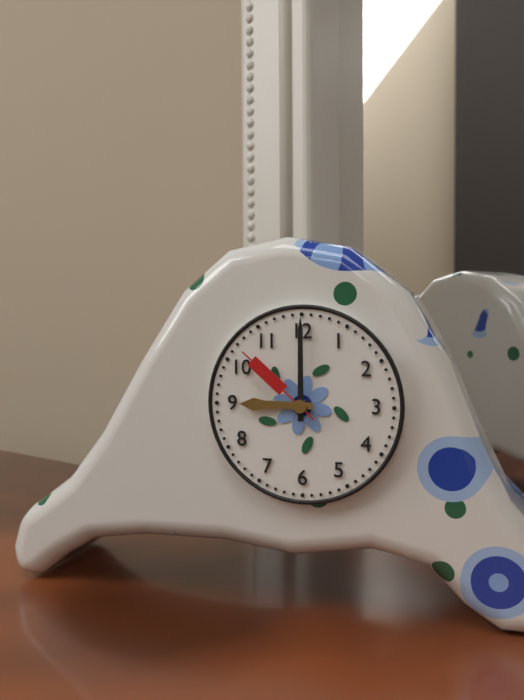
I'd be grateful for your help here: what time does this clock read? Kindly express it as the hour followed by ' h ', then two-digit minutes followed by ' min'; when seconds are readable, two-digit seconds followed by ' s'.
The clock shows 9 h 00 min 52 s
